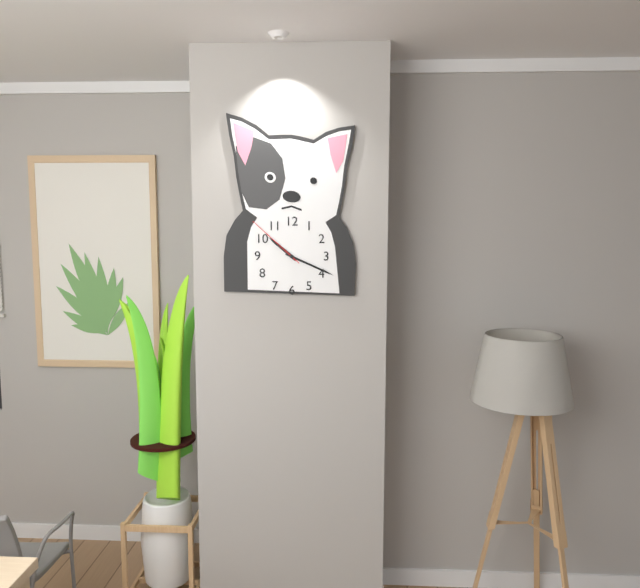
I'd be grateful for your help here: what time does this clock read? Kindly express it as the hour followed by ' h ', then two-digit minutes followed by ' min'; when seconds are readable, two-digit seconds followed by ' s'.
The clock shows 10 h 19 min 52 s
